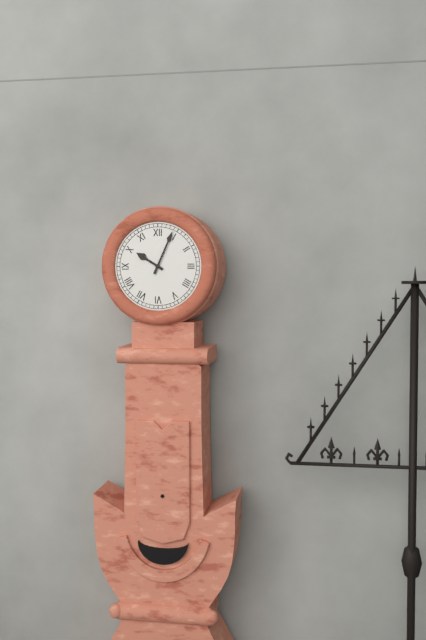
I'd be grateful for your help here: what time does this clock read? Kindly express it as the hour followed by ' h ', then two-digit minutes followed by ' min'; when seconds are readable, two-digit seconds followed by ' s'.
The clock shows 10 h 04 min
